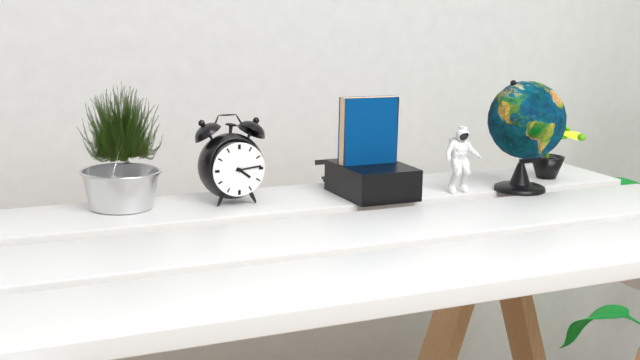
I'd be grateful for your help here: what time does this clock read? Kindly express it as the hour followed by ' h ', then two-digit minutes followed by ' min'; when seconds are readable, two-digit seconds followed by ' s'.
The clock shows 4 h 14 min
